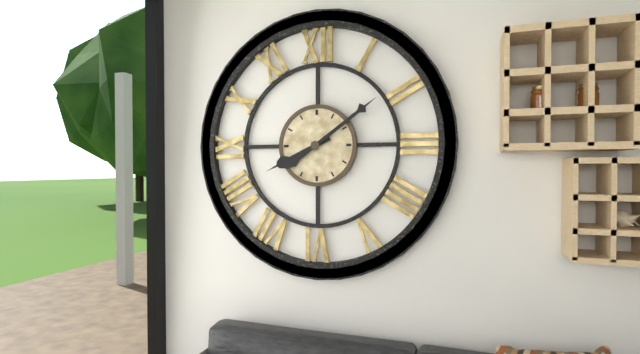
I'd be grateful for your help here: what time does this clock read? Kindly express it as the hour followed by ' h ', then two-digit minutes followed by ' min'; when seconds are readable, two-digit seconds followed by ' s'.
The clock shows 8 h 09 min
